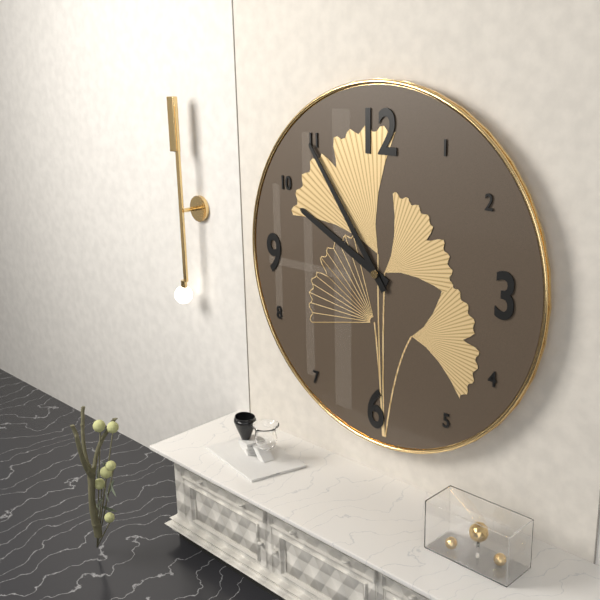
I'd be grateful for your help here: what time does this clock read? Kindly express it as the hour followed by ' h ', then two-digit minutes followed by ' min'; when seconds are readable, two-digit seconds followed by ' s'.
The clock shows 9 h 54 min
